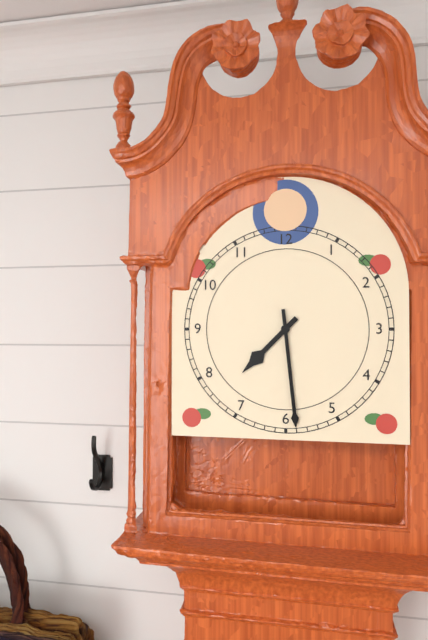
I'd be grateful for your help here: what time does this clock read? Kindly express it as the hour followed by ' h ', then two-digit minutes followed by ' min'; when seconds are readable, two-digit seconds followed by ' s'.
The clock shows 7 h 29 min
